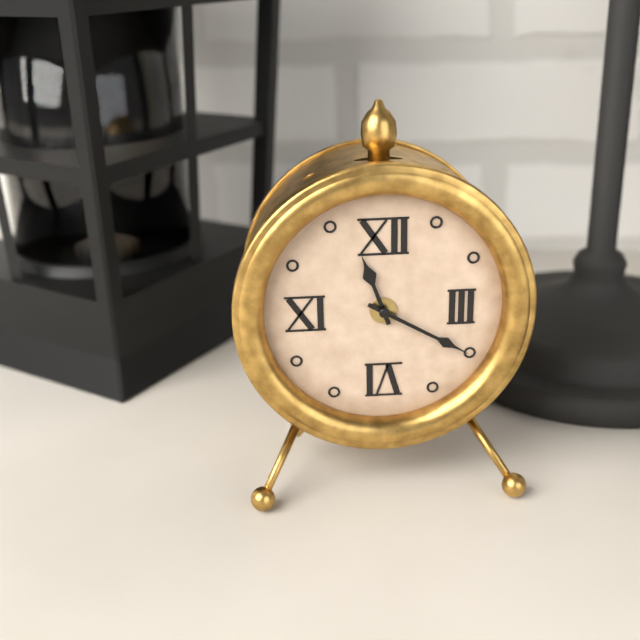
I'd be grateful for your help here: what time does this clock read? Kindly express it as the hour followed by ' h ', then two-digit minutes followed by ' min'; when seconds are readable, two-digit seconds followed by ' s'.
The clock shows 11 h 20 min
